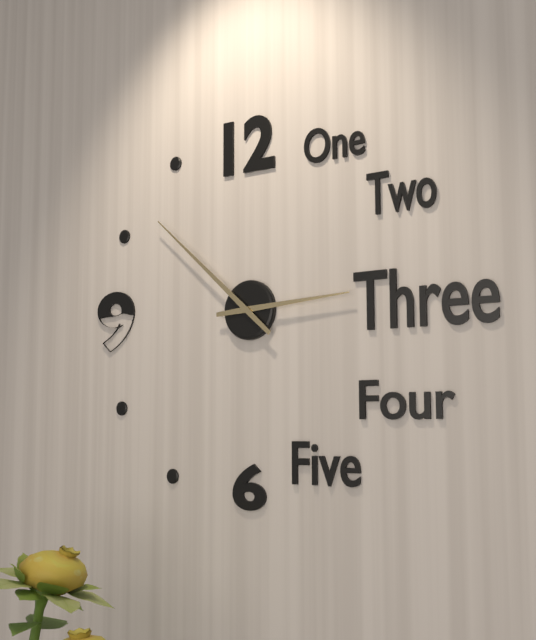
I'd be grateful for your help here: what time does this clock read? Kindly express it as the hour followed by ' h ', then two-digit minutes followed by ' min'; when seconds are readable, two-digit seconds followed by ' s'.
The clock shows 2 h 52 min
